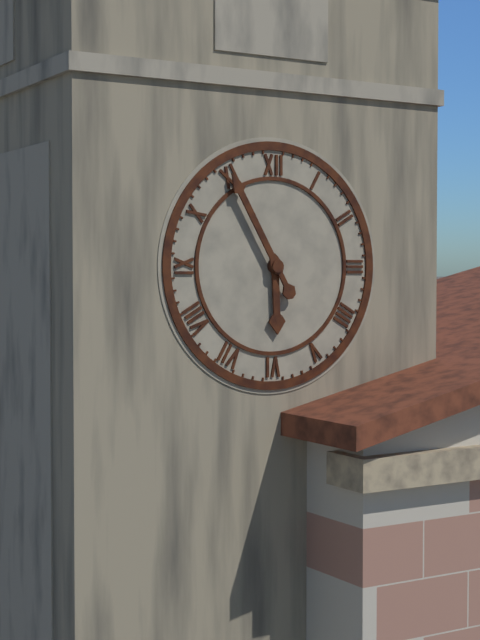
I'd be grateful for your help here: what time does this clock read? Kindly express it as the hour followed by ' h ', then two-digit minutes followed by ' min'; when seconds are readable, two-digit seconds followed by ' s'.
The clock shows 5 h 55 min
